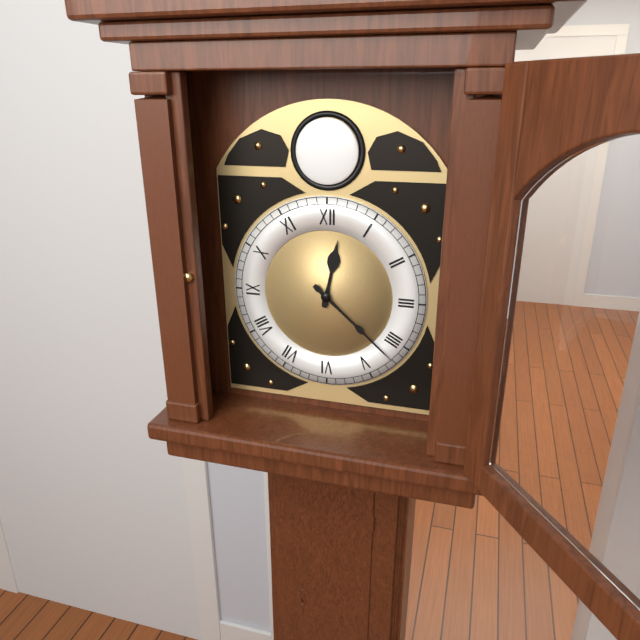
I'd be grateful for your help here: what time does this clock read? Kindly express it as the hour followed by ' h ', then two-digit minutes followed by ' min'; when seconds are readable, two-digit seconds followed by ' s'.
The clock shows 12 h 22 min
